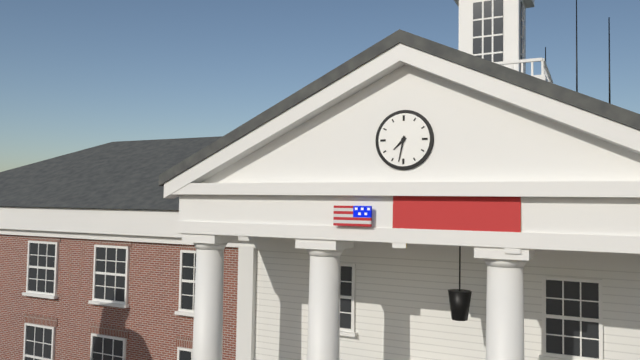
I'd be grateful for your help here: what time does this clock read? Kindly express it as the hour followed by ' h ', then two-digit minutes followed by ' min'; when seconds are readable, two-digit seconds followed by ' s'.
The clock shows 7 h 32 min
